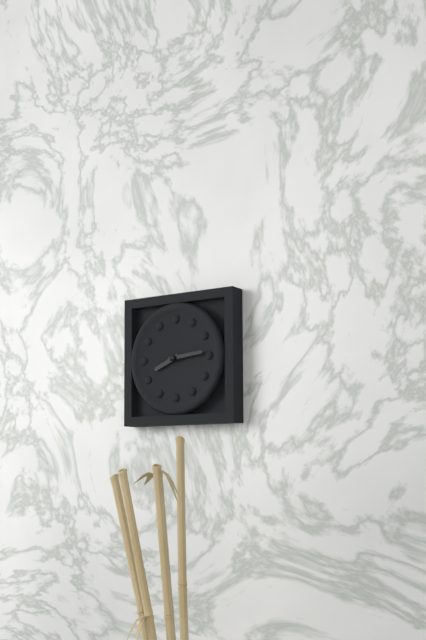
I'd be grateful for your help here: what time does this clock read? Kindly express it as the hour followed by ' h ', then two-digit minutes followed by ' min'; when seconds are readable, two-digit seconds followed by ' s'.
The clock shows 8 h 14 min
